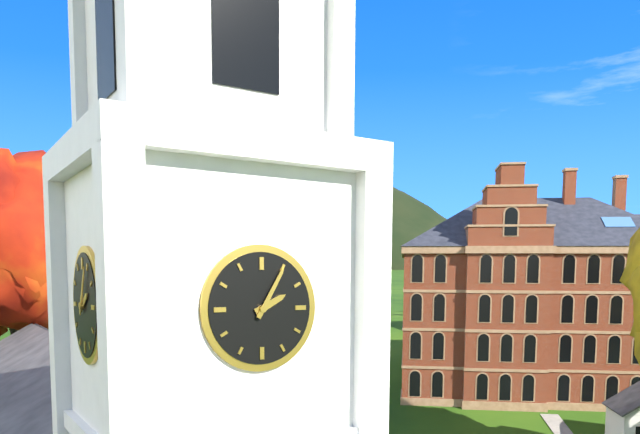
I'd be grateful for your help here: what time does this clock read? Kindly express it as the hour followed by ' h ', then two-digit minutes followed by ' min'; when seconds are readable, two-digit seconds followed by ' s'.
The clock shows 2 h 05 min
